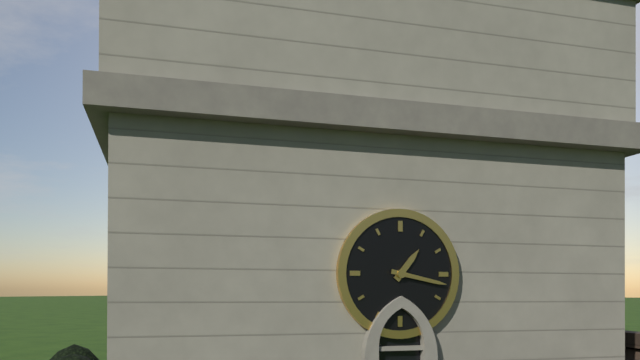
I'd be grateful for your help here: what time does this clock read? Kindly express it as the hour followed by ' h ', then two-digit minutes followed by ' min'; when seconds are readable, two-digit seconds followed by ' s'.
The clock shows 1 h 17 min
